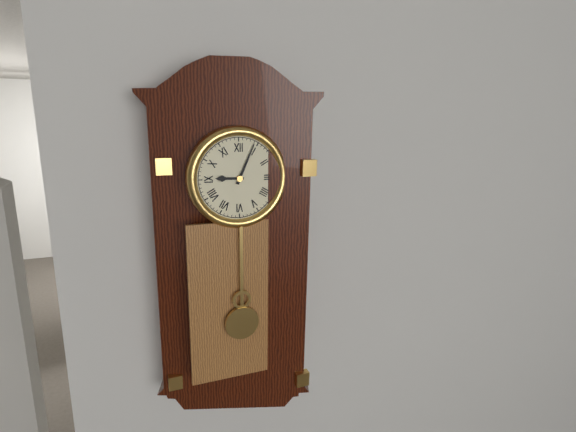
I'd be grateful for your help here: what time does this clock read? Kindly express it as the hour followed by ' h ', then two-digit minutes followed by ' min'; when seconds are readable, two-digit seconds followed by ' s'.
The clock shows 9 h 04 min
